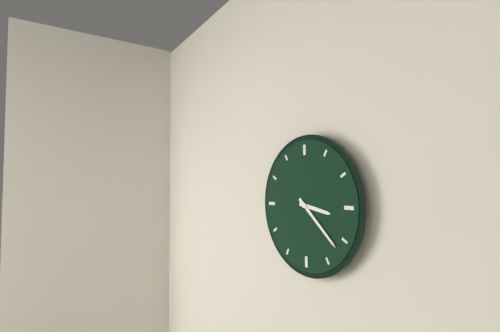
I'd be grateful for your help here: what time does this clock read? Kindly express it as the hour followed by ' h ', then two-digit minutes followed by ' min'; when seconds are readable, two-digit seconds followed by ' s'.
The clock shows 3 h 22 min
